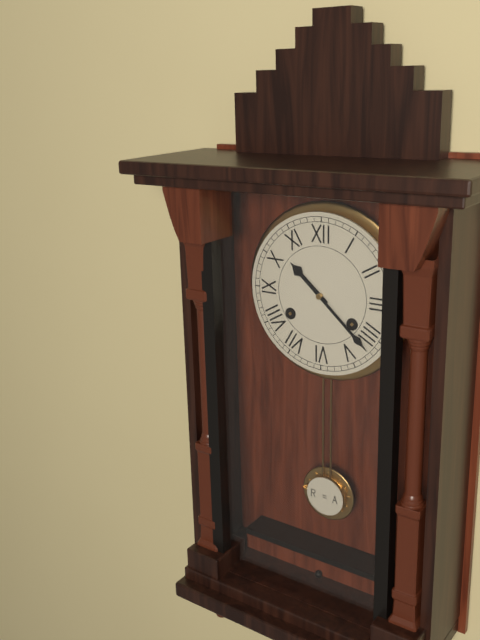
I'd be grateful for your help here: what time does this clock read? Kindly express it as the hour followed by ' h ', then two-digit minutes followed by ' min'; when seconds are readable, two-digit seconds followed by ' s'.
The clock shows 10 h 22 min
